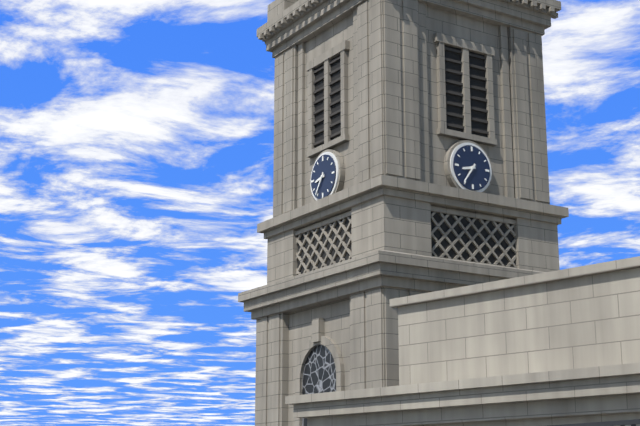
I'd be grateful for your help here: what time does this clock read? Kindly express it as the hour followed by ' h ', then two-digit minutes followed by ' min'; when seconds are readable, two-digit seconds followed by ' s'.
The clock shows 8 h 36 min
